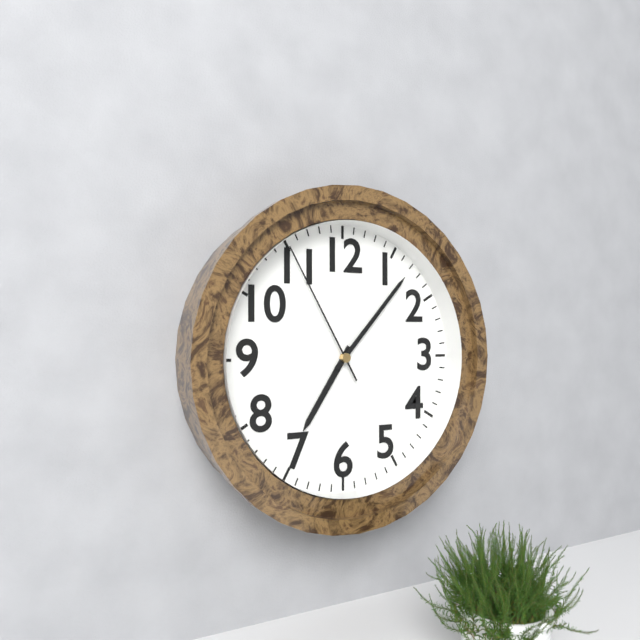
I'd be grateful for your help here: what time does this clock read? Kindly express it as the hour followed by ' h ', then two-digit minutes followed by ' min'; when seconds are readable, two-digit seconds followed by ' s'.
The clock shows 7 h 07 min 55 s
